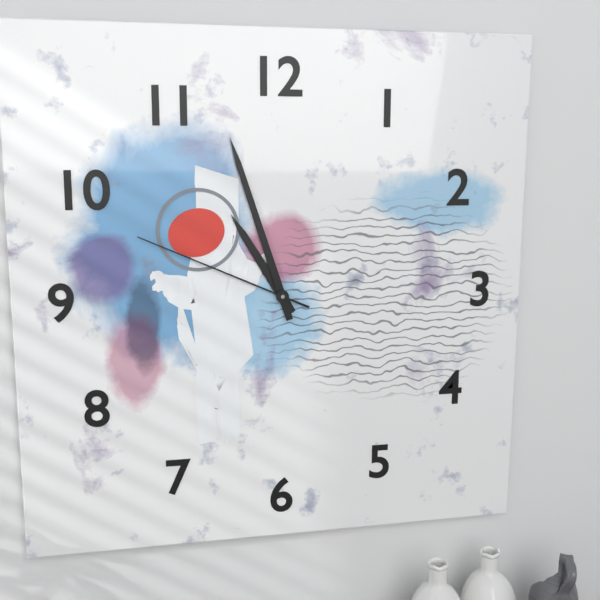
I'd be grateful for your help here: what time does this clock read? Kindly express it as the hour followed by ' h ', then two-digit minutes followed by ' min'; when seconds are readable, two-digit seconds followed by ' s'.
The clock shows 10 h 57 min 49 s
